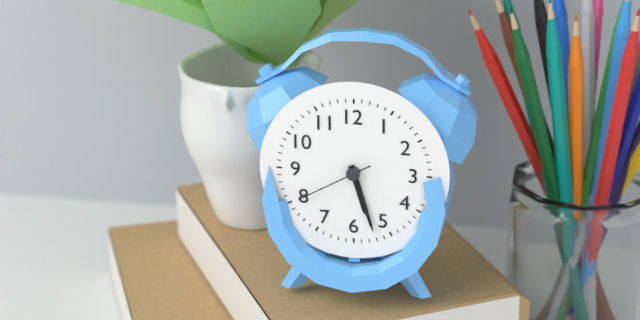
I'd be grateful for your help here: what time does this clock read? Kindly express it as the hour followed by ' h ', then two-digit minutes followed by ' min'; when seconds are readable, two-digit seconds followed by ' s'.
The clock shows 5 h 27 min 40 s
